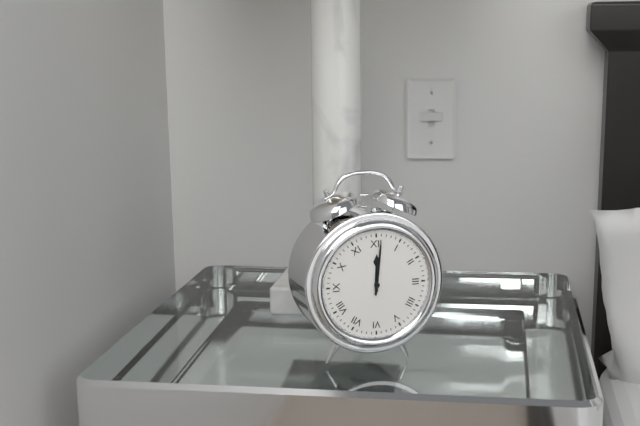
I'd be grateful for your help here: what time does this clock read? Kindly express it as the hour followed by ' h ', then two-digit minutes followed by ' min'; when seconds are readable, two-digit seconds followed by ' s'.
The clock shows 12 h 01 min
